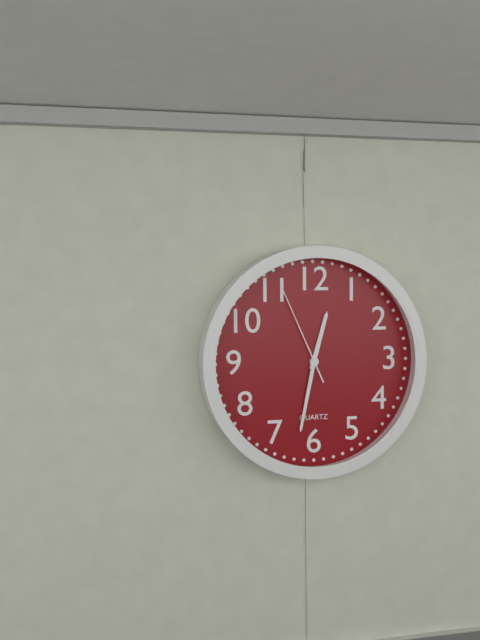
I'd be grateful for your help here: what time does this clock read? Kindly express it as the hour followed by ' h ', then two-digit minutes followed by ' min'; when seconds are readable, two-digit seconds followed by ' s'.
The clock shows 12 h 32 min 56 s
